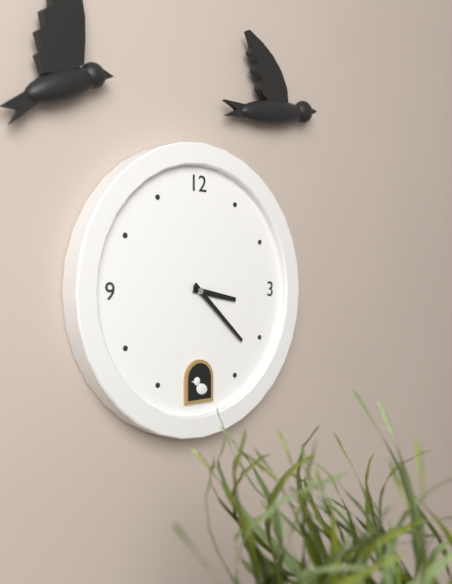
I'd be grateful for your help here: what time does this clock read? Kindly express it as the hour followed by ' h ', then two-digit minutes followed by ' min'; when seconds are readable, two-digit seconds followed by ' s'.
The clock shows 3 h 22 min
